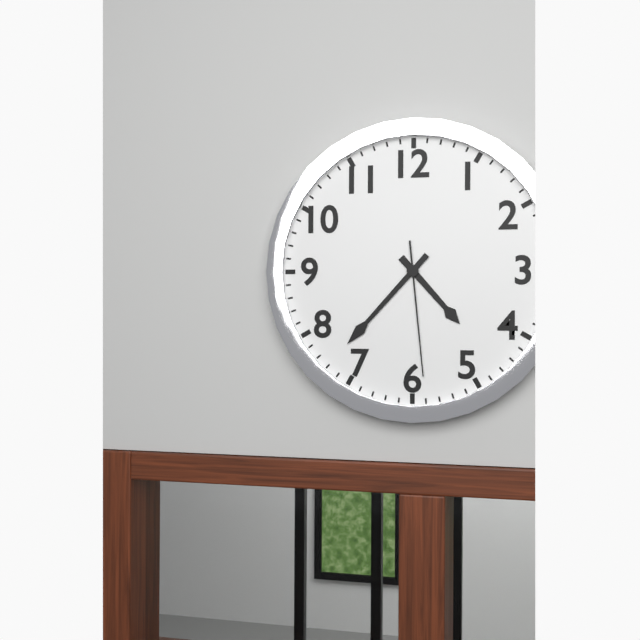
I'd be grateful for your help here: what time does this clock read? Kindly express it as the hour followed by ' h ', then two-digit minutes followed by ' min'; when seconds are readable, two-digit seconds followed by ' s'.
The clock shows 4 h 37 min 29 s
